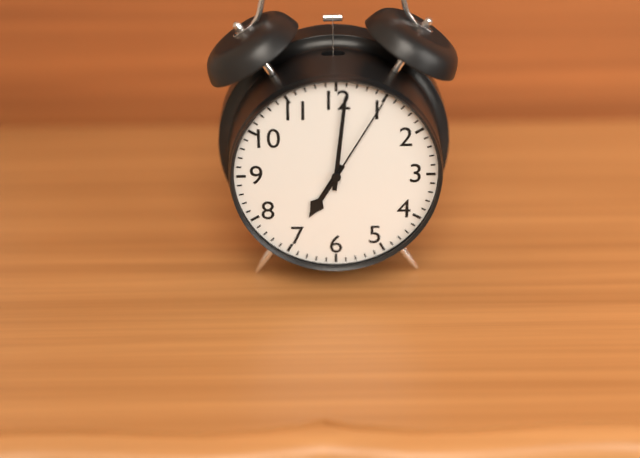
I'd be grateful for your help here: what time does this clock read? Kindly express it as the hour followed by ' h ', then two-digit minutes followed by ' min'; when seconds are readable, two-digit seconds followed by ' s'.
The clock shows 7 h 01 min 05 s
